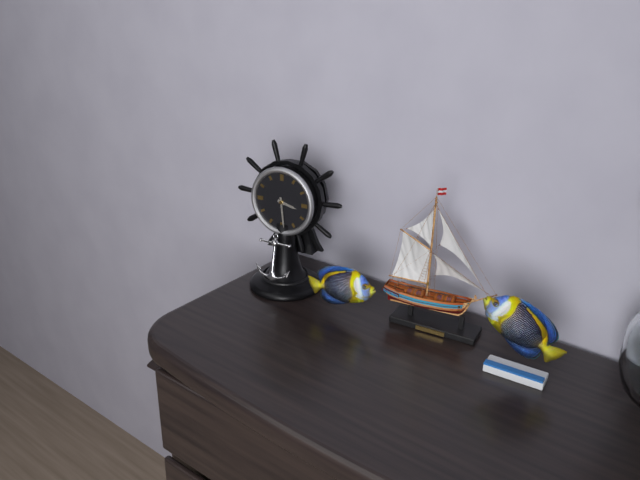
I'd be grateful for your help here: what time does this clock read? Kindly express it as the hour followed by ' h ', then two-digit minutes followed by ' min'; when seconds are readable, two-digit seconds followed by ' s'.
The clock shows 3 h 29 min
